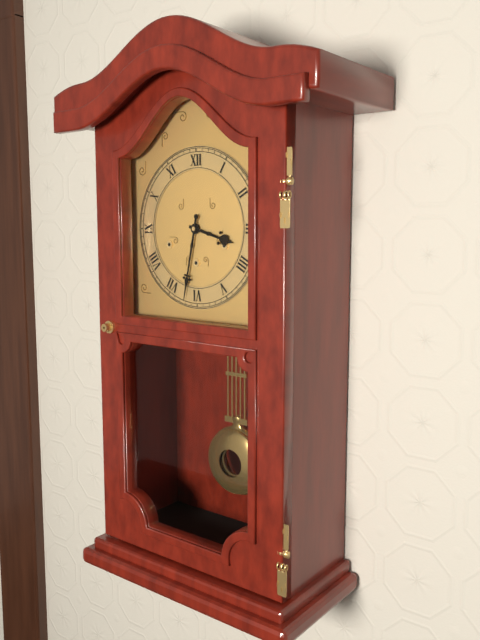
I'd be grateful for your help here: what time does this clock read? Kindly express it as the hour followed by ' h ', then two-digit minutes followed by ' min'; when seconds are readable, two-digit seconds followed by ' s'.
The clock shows 3 h 32 min
